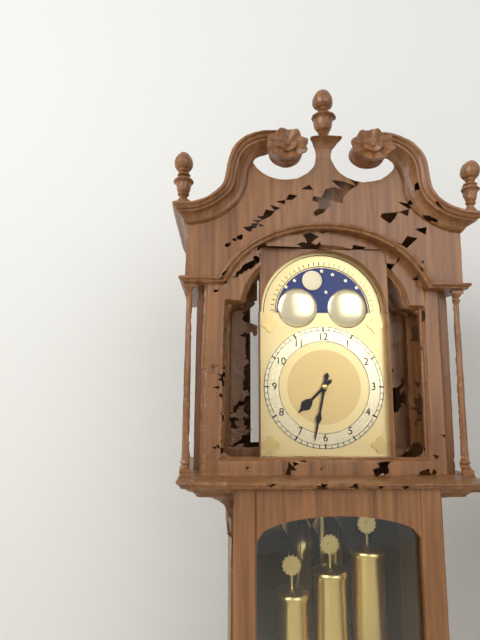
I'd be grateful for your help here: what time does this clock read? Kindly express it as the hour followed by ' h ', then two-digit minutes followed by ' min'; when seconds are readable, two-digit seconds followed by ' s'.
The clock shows 7 h 32 min
